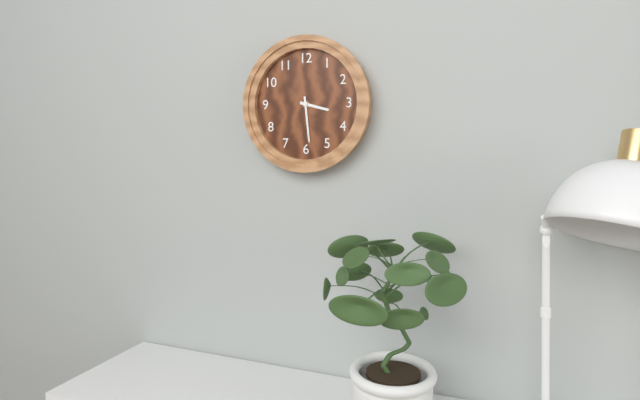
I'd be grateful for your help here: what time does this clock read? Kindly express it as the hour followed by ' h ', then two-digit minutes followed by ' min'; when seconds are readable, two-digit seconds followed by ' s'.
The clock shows 3 h 29 min
